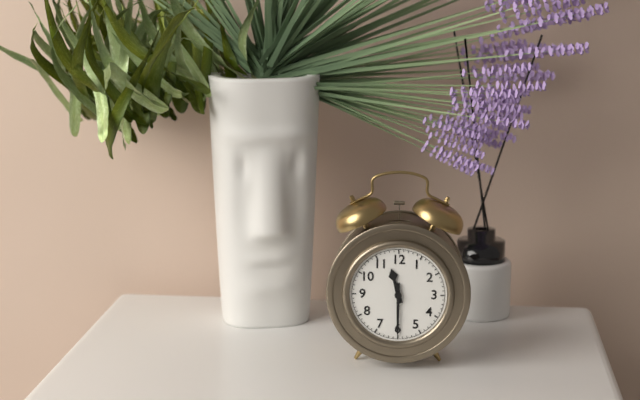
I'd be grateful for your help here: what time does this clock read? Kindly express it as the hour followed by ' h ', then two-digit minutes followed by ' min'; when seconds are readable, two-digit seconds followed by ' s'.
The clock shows 11 h 30 min
